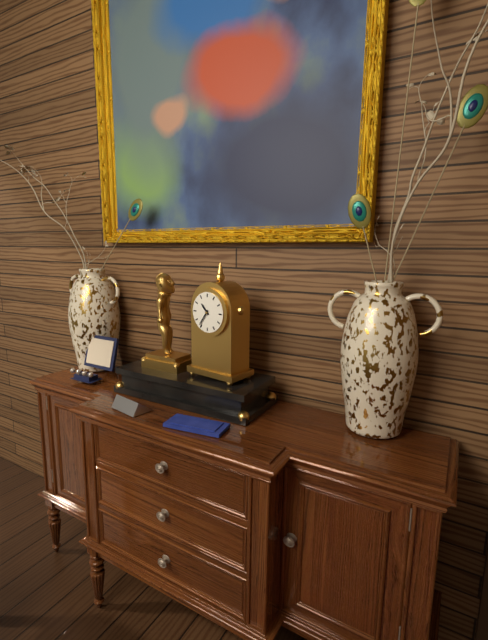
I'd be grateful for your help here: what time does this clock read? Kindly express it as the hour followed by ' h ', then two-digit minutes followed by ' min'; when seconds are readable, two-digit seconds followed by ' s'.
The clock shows 10 h 36 min
